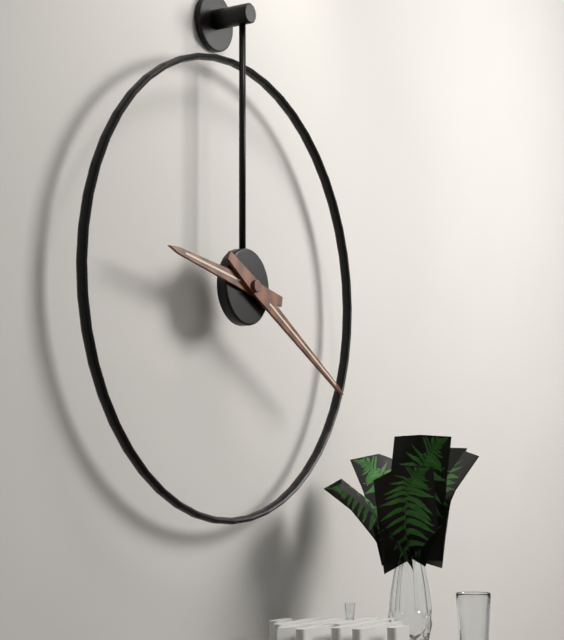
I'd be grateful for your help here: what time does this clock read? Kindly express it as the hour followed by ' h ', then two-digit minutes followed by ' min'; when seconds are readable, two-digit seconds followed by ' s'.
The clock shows 9 h 20 min
